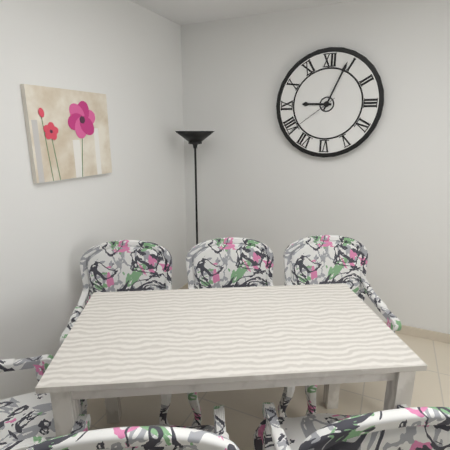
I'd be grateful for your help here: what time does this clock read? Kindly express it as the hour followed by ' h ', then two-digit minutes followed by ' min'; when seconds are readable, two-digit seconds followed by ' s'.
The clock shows 9 h 04 min 39 s
